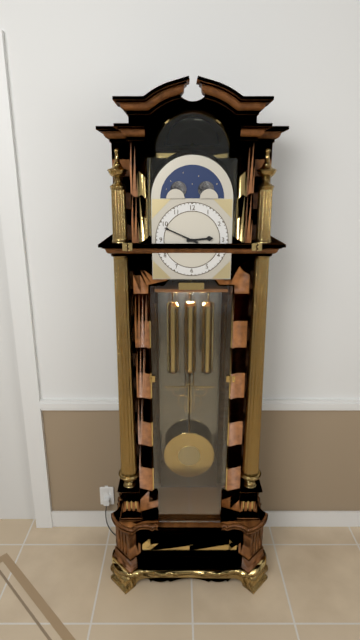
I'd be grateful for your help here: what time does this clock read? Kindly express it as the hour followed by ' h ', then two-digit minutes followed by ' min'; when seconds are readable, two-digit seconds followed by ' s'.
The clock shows 2 h 49 min
